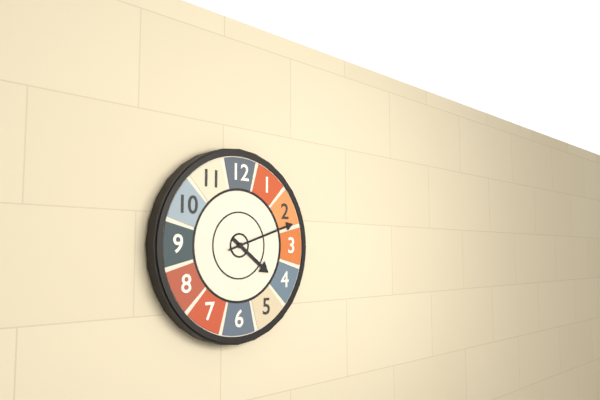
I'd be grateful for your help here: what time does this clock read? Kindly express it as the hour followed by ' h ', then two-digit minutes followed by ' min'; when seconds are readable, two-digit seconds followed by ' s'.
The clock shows 4 h 12 min
